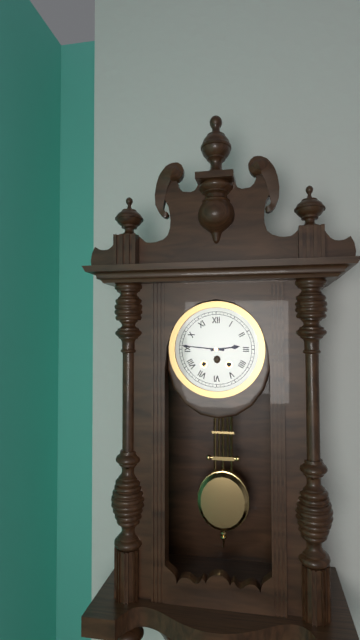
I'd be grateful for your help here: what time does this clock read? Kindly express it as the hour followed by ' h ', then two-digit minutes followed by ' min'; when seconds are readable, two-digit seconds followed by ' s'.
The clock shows 2 h 46 min
